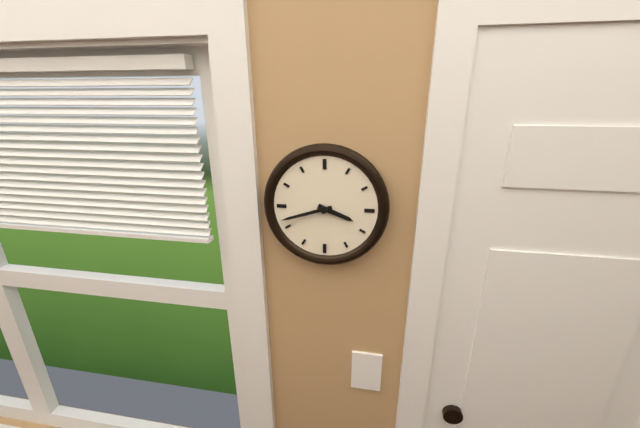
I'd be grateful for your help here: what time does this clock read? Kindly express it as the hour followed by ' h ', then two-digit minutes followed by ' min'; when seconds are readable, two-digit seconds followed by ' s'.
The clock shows 3 h 42 min
